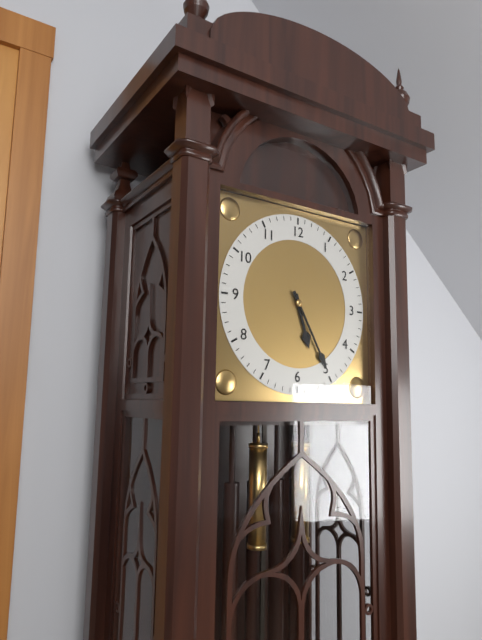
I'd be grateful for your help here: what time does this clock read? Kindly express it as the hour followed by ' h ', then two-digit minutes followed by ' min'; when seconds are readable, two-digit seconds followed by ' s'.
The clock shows 5 h 25 min
